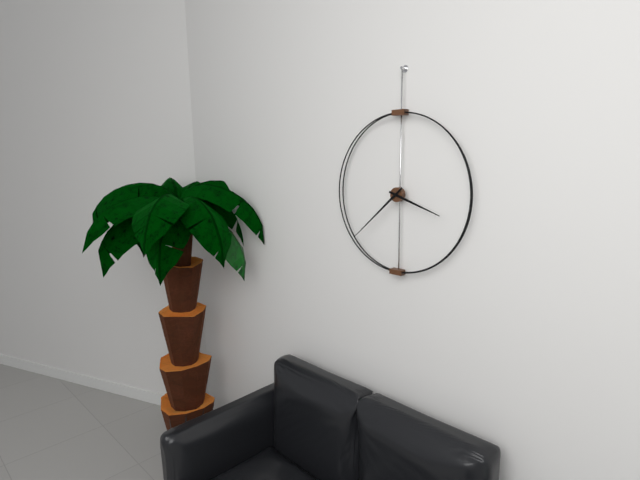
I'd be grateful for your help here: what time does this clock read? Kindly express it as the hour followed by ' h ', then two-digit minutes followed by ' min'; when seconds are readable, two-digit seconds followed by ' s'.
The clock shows 3 h 38 min
